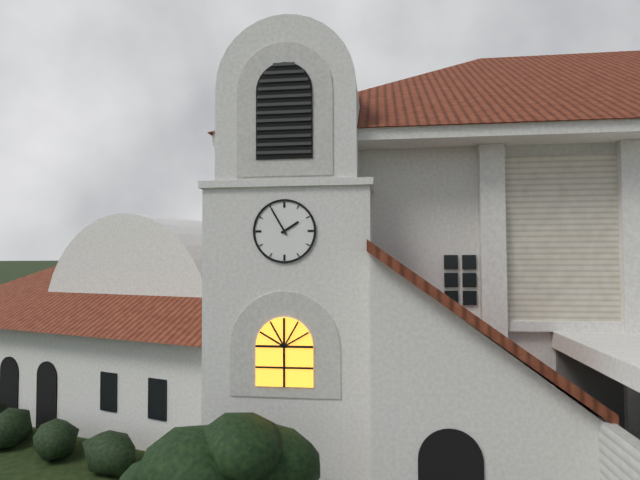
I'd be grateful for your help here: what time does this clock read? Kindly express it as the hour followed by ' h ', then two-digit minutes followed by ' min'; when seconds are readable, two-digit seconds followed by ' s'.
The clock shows 1 h 55 min
